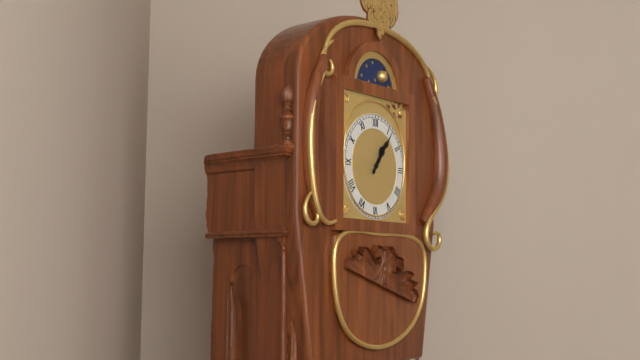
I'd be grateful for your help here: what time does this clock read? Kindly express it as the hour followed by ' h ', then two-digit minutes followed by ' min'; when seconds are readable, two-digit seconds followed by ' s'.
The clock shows 1 h 06 min
